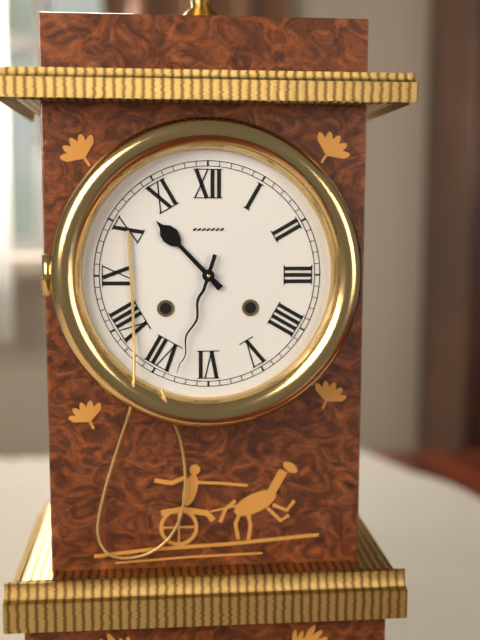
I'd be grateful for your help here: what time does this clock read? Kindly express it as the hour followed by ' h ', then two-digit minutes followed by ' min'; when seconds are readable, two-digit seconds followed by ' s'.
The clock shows 10 h 33 min
